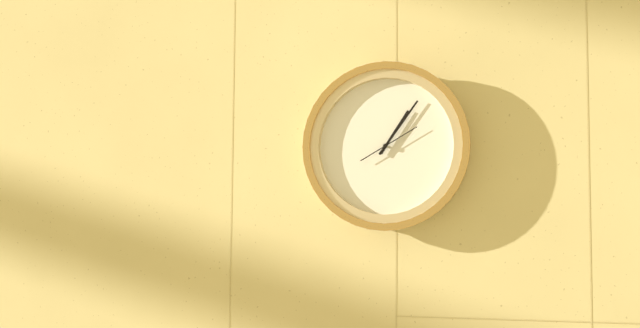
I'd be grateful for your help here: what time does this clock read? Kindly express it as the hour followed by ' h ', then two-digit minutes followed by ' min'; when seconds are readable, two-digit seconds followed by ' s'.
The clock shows 1 h 06 min
